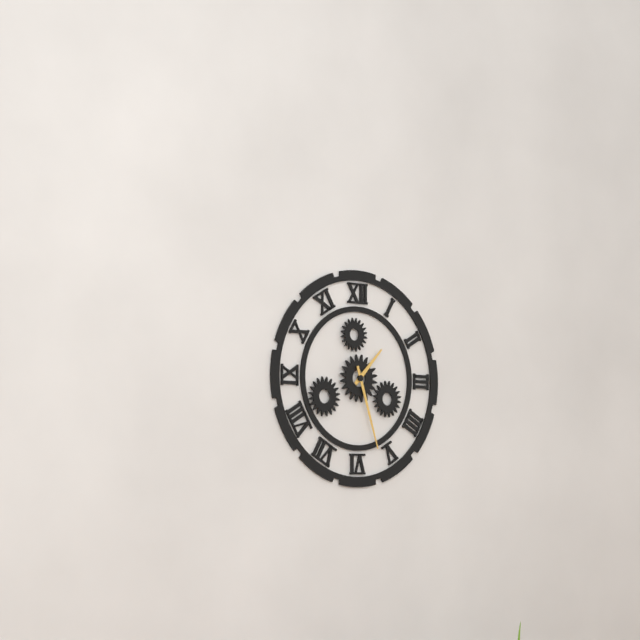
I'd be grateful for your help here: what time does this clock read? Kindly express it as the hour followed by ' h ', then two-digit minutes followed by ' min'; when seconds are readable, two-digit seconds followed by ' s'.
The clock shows 1 h 27 min
